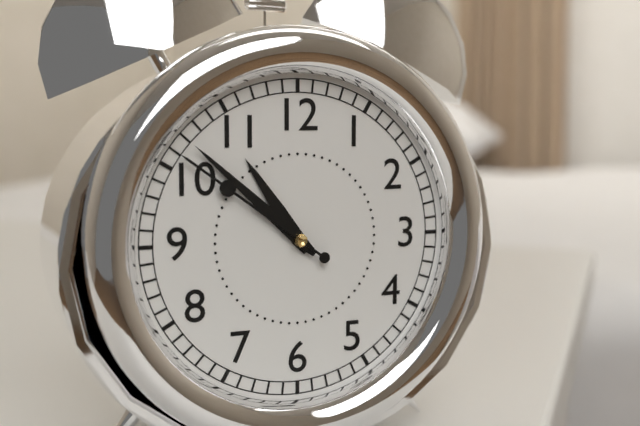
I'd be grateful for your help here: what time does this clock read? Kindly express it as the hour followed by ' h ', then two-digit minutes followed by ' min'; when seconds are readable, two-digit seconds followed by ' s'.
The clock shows 10 h 52 min 51 s
